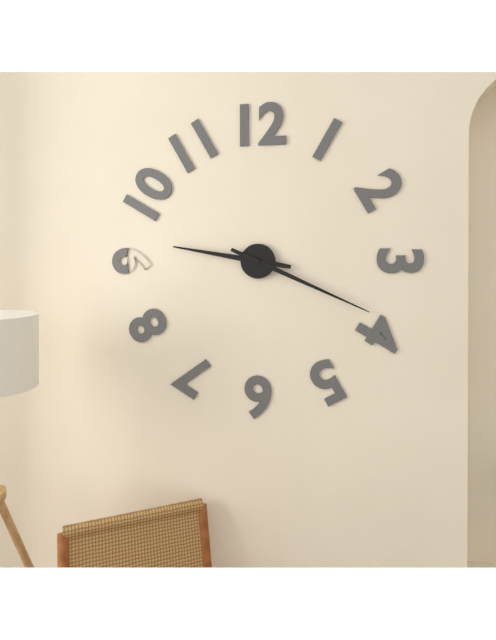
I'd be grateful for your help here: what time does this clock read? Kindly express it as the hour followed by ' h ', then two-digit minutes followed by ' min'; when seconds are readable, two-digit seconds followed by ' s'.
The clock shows 9 h 19 min
